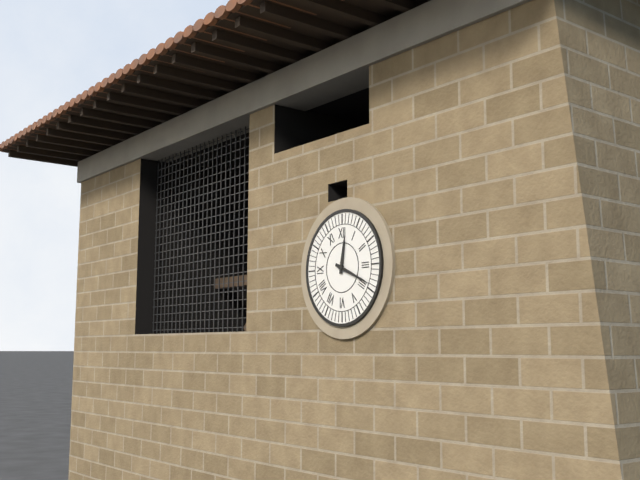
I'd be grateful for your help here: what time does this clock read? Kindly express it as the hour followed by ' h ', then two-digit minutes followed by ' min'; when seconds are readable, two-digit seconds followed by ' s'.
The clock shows 12 h 19 min
